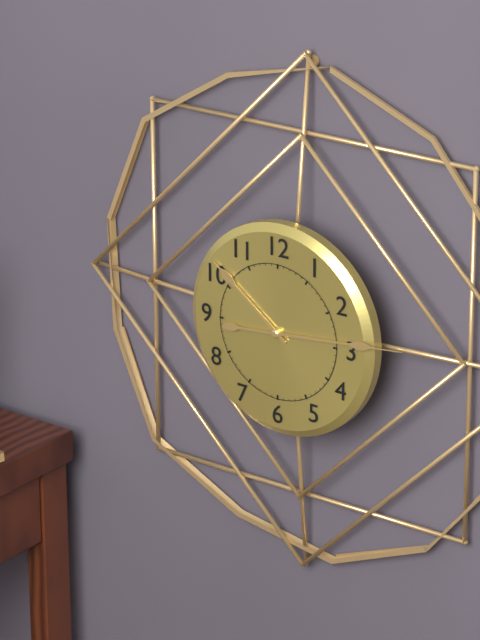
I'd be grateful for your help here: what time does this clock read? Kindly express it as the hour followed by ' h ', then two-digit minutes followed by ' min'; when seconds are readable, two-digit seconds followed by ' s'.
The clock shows 10 h 14 min
